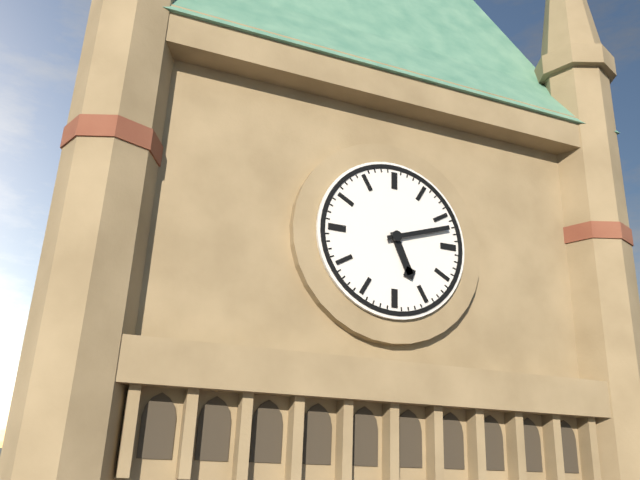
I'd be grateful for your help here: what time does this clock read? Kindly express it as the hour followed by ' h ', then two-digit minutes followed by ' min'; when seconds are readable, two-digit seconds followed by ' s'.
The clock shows 5 h 12 min
